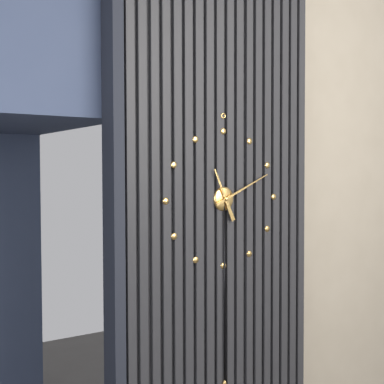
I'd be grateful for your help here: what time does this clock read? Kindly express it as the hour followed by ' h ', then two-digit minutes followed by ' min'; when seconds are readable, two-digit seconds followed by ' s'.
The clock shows 11 h 11 min
